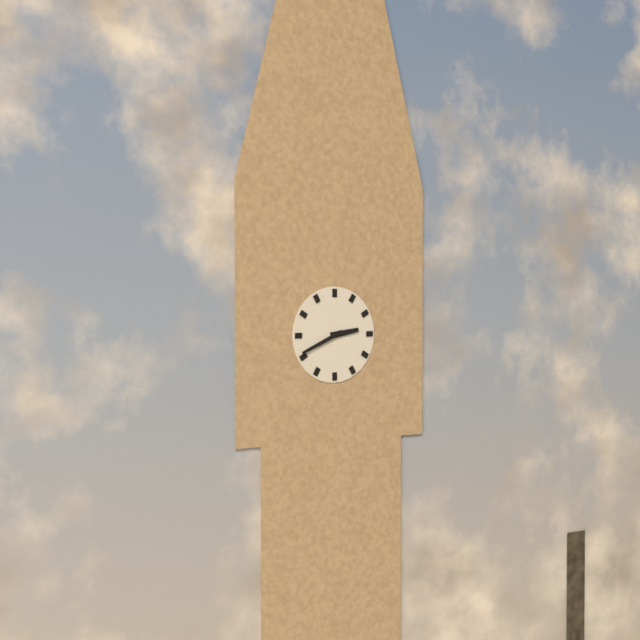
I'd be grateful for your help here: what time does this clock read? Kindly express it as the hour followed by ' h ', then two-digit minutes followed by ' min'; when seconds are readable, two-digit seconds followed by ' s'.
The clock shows 2 h 41 min
